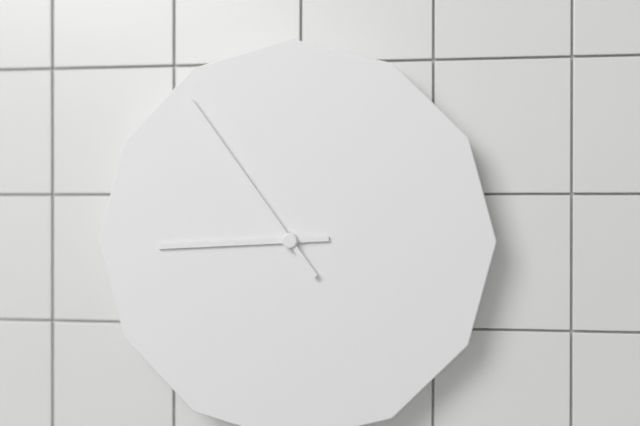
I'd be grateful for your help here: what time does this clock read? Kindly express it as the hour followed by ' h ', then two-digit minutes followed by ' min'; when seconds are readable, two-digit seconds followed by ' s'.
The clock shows 8 h 54 min
